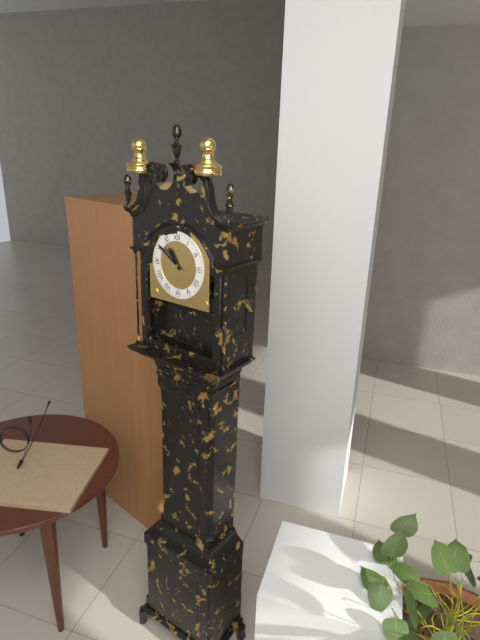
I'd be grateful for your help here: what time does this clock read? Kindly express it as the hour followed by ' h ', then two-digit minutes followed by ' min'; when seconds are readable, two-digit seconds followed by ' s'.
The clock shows 10 h 51 min
